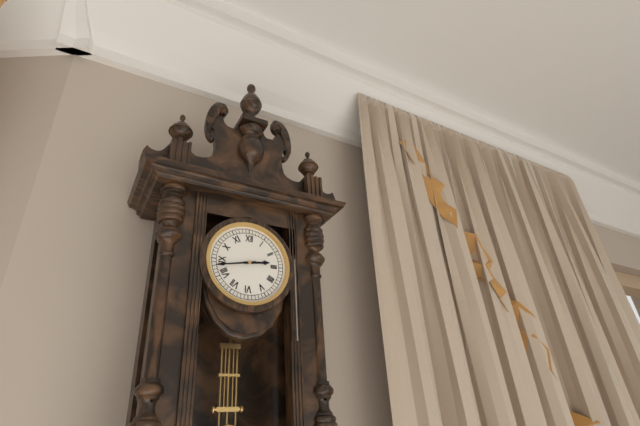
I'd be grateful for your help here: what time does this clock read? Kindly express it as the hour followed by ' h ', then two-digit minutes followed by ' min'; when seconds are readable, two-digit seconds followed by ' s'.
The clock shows 2 h 43 min
